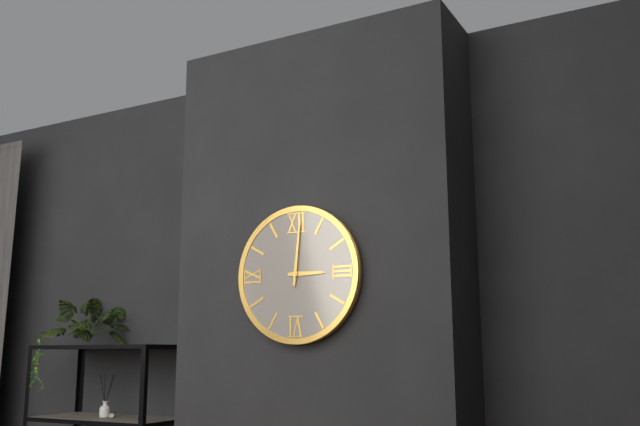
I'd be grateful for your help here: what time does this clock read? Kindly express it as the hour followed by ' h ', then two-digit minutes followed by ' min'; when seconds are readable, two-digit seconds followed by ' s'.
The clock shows 3 h 01 min
